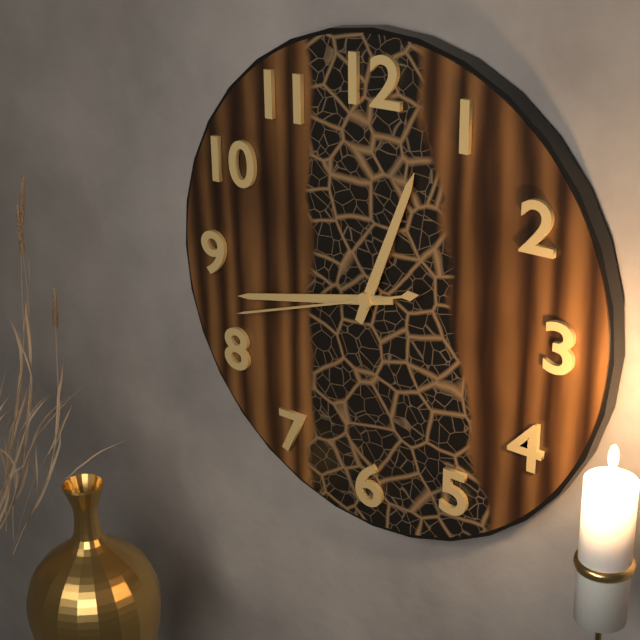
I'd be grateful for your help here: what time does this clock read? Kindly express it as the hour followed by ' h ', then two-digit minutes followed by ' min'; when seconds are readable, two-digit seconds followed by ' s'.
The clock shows 12 h 43 min 42 s
